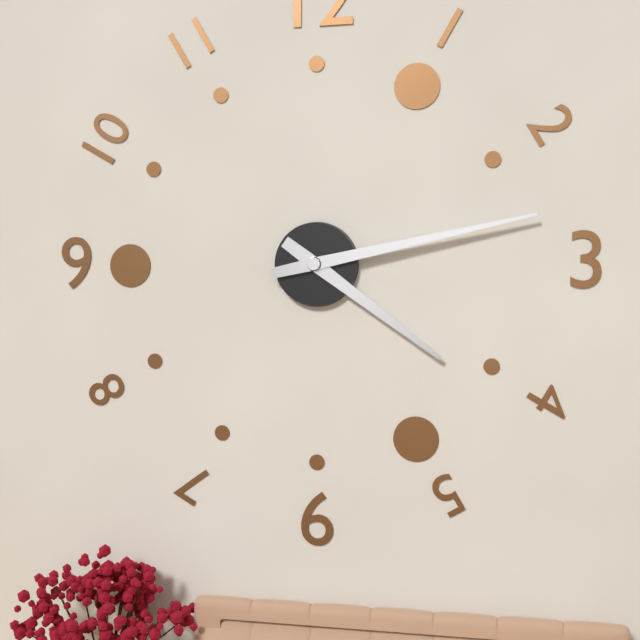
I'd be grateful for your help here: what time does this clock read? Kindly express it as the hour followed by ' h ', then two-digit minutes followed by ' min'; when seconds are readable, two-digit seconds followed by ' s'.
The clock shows 4 h 13 min
